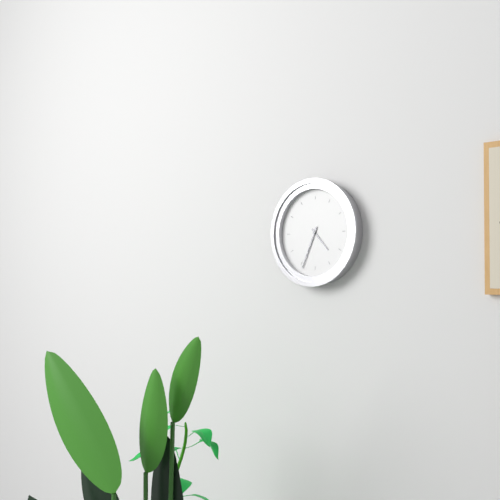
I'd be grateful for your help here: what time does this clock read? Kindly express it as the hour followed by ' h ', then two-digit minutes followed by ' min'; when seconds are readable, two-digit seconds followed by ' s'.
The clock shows 4 h 34 min
